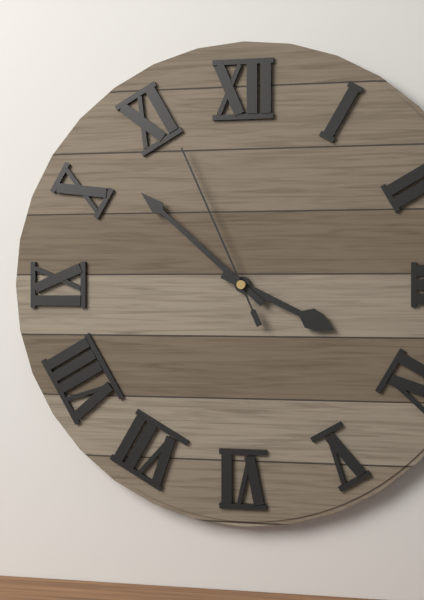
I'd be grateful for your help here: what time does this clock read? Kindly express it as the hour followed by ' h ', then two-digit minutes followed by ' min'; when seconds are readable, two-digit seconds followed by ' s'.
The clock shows 3 h 52 min 56 s
